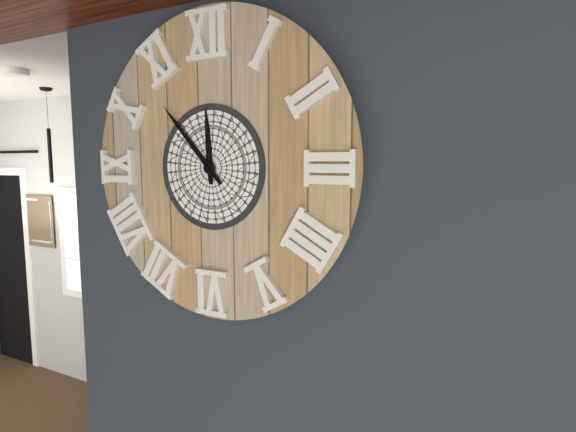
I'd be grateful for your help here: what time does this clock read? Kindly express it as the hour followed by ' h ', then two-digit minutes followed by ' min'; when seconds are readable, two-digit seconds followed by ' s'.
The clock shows 11 h 53 min
